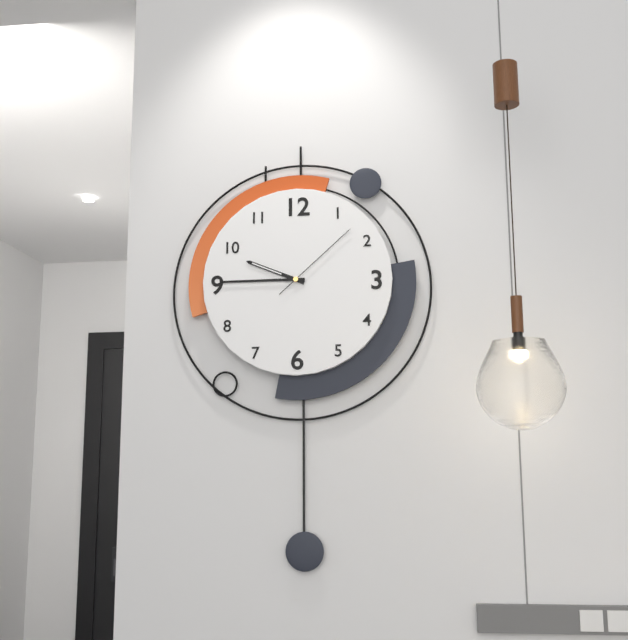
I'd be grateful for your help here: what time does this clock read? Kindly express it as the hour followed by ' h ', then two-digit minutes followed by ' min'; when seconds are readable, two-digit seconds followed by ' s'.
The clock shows 9 h 45 min 08 s
